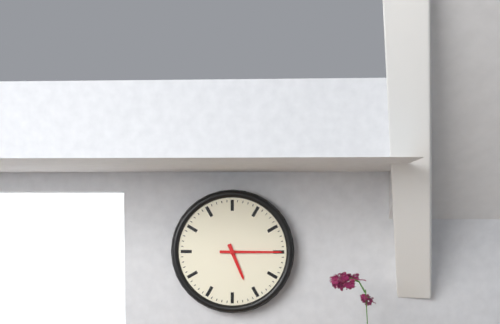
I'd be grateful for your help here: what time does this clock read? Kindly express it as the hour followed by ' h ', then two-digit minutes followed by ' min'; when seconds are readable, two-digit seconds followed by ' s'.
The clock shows 5 h 15 min
